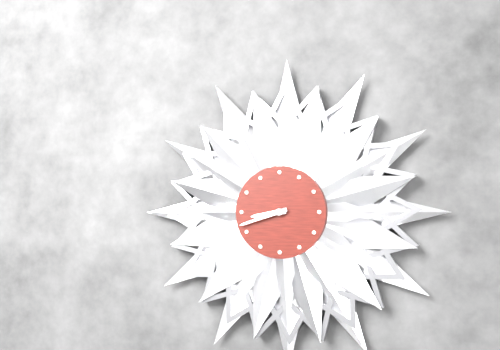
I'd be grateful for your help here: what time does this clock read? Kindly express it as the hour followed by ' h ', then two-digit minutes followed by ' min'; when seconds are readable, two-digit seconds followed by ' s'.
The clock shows 8 h 42 min
